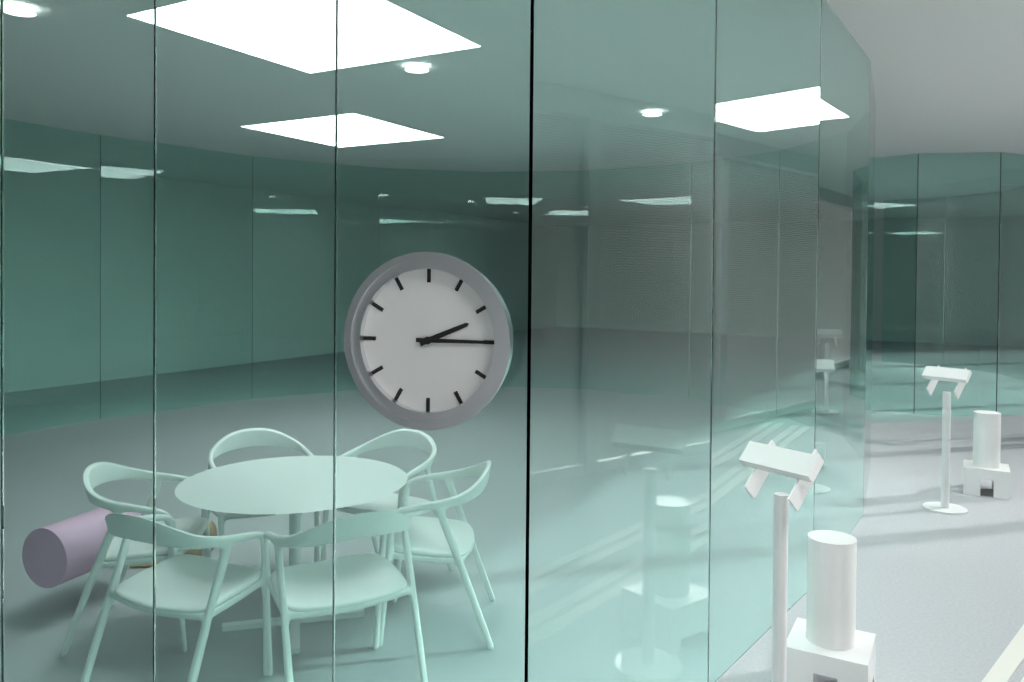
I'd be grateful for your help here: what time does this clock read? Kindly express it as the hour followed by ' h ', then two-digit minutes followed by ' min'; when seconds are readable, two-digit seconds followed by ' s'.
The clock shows 2 h 15 min
